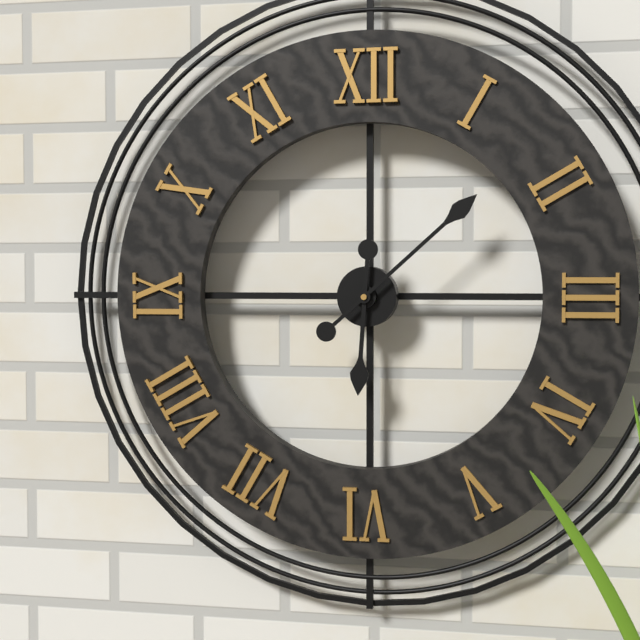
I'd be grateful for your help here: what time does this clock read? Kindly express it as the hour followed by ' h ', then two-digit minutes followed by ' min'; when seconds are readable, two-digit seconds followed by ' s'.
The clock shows 6 h 08 min
